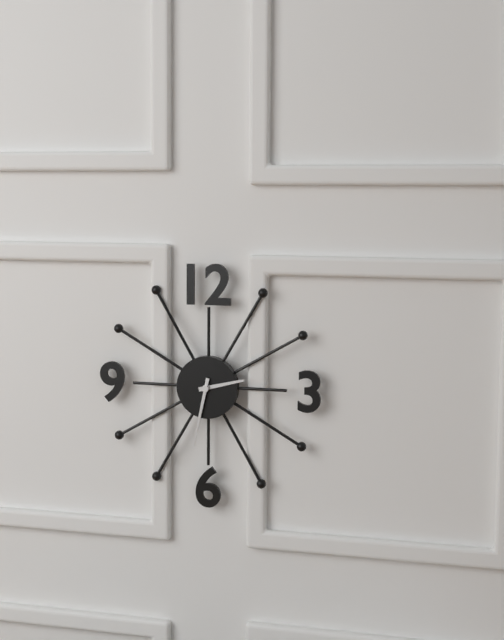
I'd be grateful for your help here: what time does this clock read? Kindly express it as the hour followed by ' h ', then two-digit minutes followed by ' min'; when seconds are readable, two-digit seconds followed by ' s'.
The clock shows 2 h 32 min
